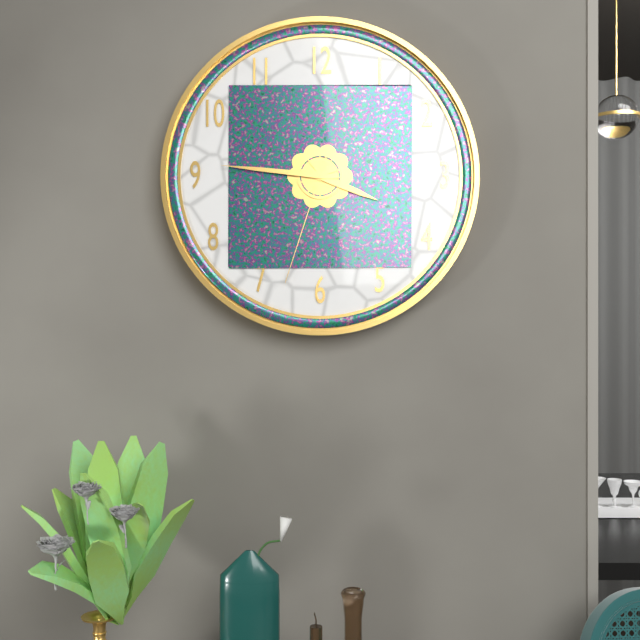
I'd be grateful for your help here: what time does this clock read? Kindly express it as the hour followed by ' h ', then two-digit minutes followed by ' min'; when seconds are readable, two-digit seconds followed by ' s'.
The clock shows 3 h 46 min 33 s
